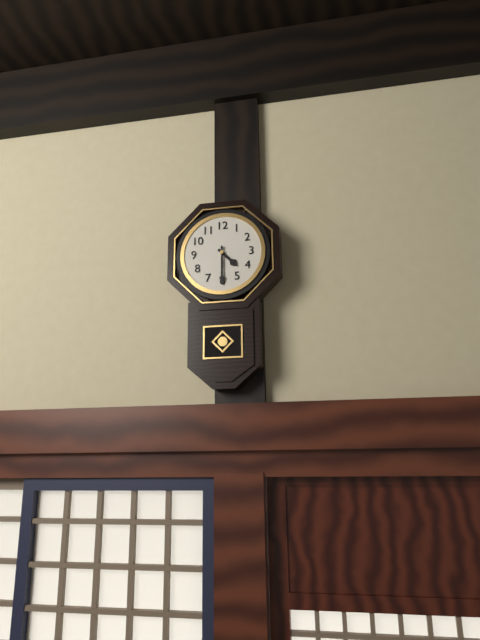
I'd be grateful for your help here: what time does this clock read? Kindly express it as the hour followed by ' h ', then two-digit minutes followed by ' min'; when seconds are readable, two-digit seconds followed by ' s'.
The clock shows 4 h 30 min
